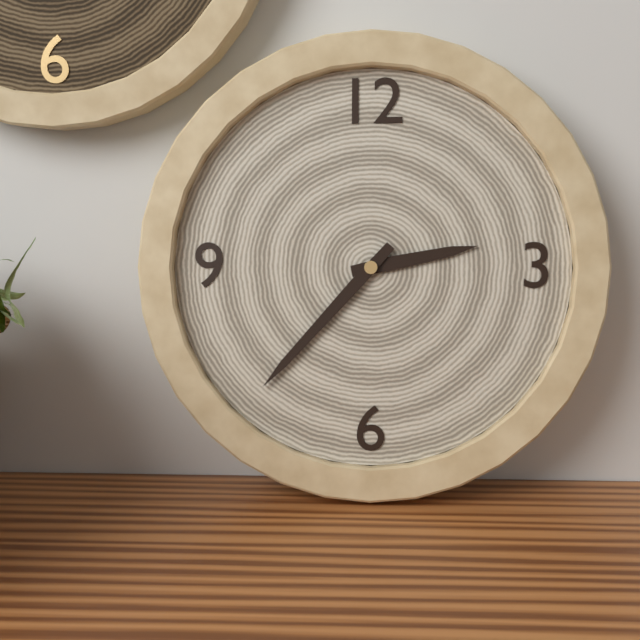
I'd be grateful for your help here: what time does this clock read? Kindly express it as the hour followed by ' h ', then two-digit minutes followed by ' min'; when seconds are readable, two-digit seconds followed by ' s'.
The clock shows 2 h 37 min
